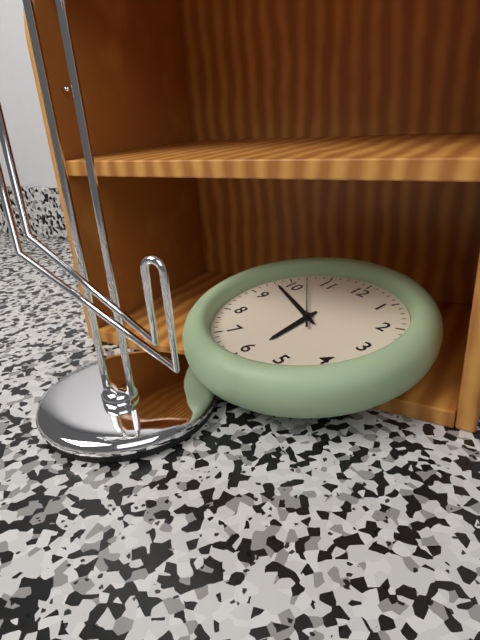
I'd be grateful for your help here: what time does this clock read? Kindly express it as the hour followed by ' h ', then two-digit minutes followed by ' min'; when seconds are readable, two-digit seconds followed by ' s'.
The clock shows 5 h 48 min 52 s
